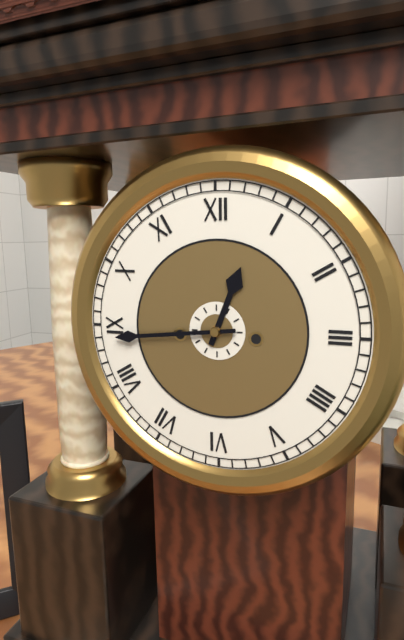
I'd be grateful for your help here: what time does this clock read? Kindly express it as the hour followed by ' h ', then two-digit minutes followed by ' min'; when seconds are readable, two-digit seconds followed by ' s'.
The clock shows 12 h 44 min
